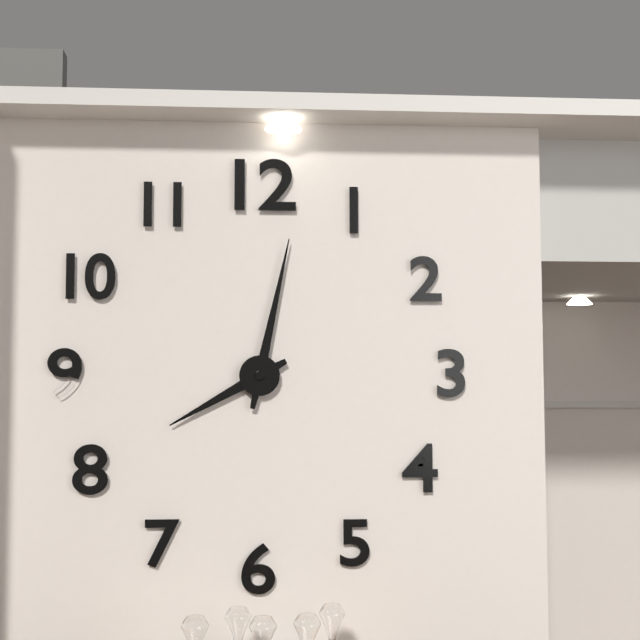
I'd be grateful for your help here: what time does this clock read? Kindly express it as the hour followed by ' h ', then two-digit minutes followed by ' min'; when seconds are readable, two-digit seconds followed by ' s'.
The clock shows 8 h 02 min
